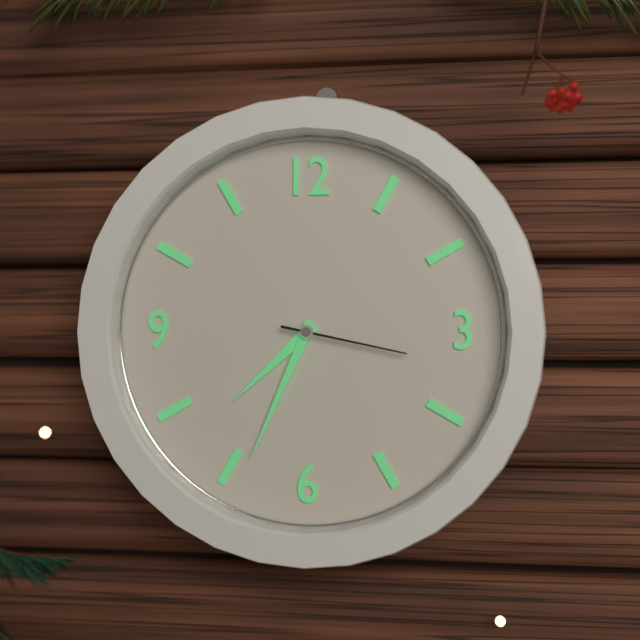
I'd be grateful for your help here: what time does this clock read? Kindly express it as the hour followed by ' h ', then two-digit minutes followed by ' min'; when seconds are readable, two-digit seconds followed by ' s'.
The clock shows 7 h 34 min 17 s
